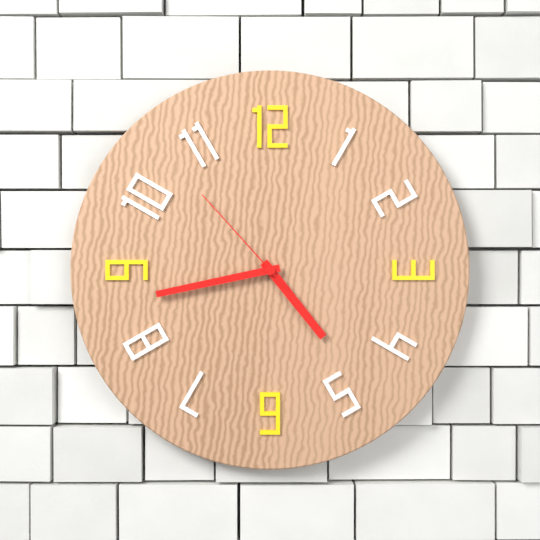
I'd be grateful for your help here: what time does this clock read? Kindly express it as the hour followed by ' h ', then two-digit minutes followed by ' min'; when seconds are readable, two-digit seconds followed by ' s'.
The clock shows 4 h 43 min 53 s
